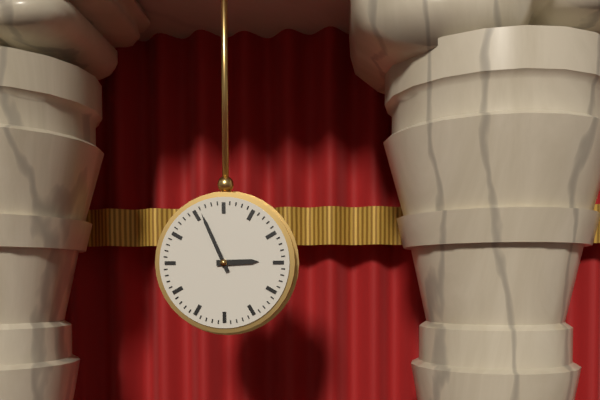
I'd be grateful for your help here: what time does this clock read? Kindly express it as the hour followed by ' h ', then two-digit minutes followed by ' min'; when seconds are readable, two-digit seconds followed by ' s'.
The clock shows 2 h 56 min
